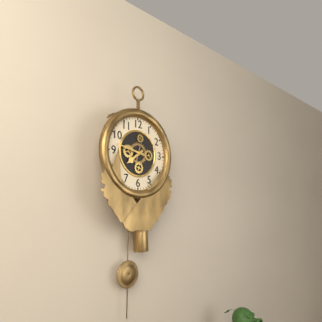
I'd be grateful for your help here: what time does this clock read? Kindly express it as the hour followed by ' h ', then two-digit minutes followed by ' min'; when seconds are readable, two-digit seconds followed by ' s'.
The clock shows 7 h 47 min
